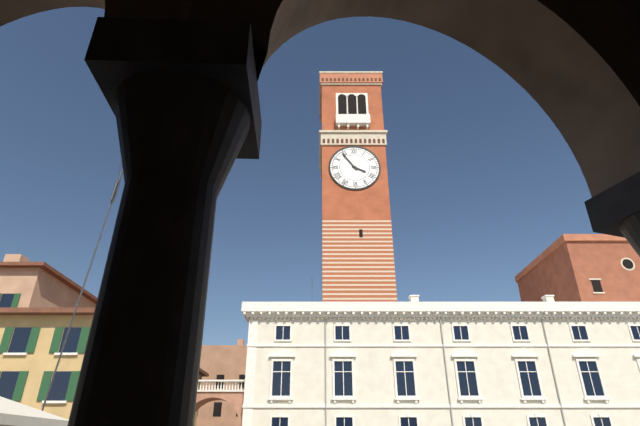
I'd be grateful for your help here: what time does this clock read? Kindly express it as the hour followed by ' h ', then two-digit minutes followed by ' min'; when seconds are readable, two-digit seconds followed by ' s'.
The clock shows 3 h 54 min
